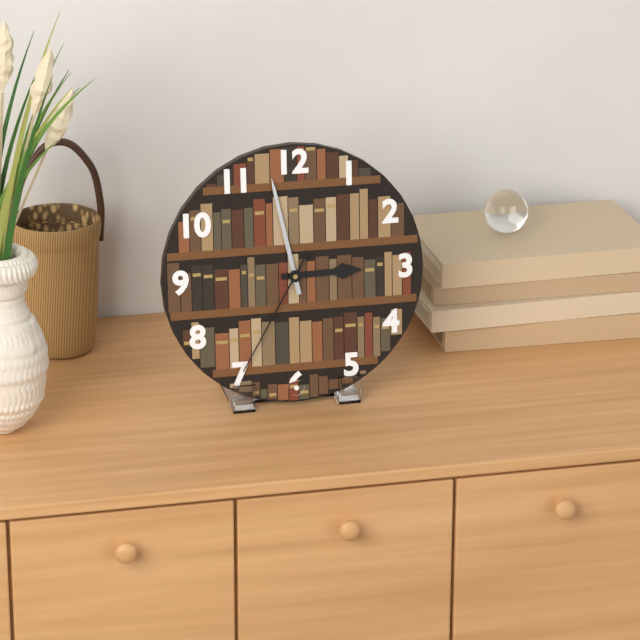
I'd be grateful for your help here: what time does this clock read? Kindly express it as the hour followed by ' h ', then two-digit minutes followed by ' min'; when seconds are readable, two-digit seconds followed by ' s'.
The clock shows 2 h 58 min 35 s
